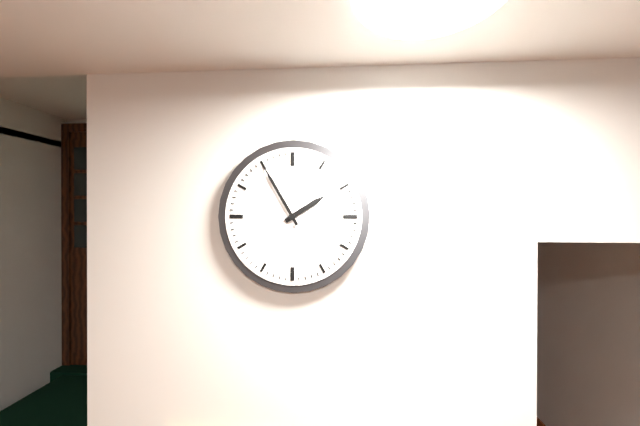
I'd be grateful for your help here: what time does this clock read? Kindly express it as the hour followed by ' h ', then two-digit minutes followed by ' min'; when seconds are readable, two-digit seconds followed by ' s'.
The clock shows 1 h 55 min
